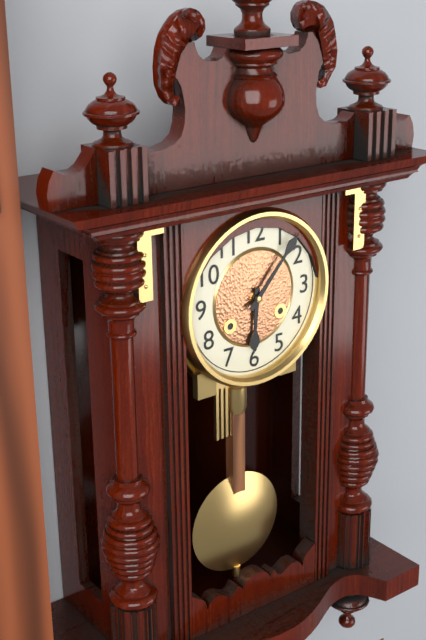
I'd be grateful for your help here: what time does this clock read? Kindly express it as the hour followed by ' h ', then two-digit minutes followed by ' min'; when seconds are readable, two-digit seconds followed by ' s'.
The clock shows 6 h 07 min
